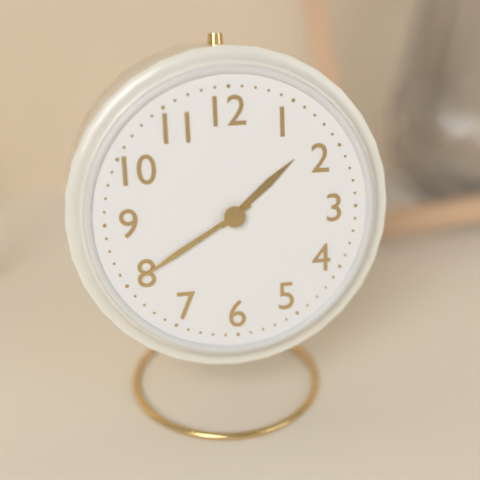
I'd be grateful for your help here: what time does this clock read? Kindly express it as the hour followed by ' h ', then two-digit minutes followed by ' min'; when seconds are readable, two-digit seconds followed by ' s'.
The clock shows 1 h 40 min
